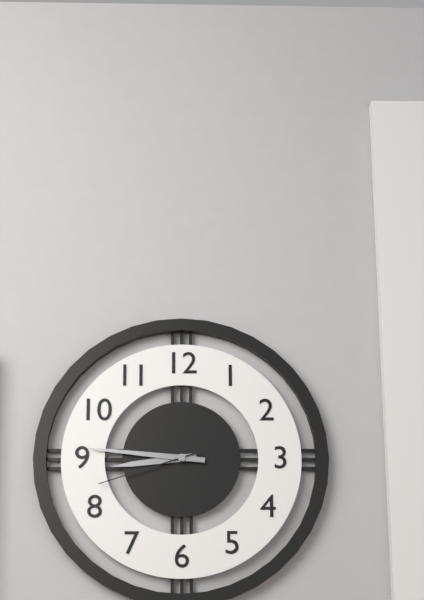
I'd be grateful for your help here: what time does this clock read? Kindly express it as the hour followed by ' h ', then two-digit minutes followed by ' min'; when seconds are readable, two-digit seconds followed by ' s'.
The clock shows 8 h 46 min 42 s
